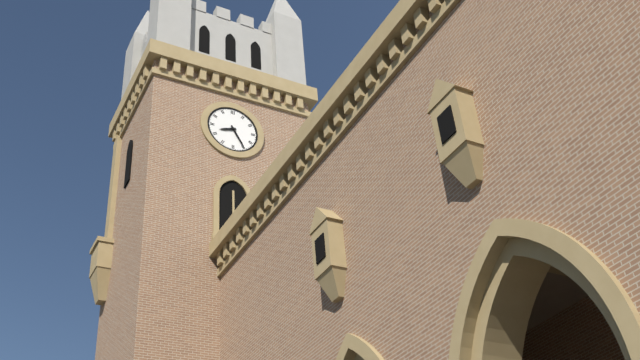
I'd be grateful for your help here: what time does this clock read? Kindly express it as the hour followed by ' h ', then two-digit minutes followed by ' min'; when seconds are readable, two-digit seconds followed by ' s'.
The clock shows 8 h 25 min
